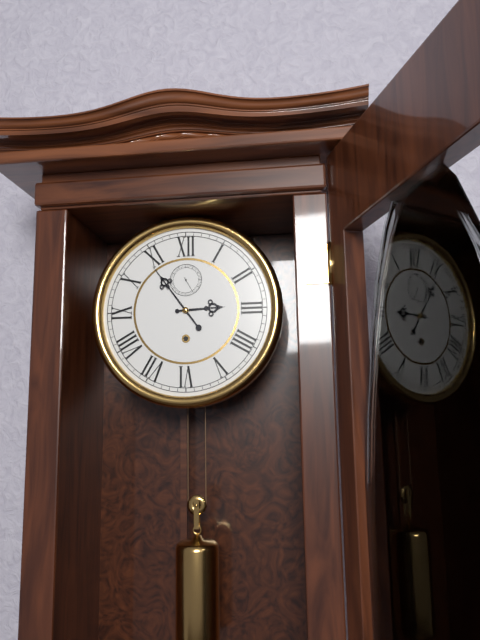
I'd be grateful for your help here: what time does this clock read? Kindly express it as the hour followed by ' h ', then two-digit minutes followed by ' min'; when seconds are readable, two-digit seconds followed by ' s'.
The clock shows 2 h 54 min
